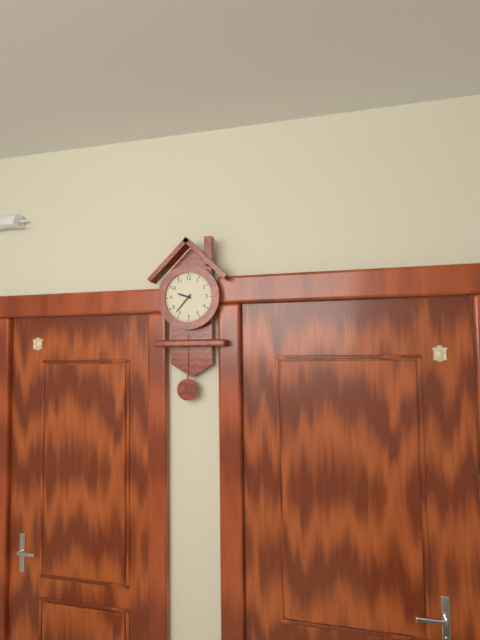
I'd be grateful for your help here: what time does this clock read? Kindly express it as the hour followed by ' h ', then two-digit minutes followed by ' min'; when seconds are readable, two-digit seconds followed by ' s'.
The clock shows 9 h 37 min
